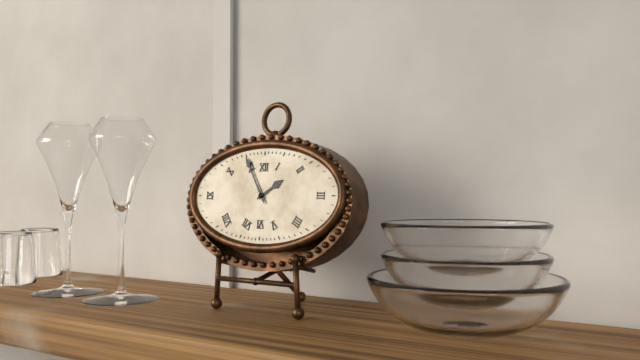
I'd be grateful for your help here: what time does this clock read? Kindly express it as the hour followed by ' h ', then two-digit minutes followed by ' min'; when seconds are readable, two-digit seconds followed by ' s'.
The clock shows 1 h 55 min
